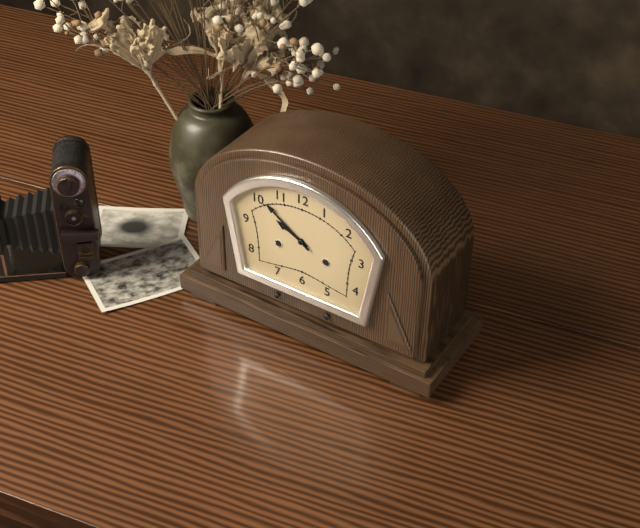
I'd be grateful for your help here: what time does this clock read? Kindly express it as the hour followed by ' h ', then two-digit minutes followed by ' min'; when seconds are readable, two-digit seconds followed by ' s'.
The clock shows 9 h 51 min
